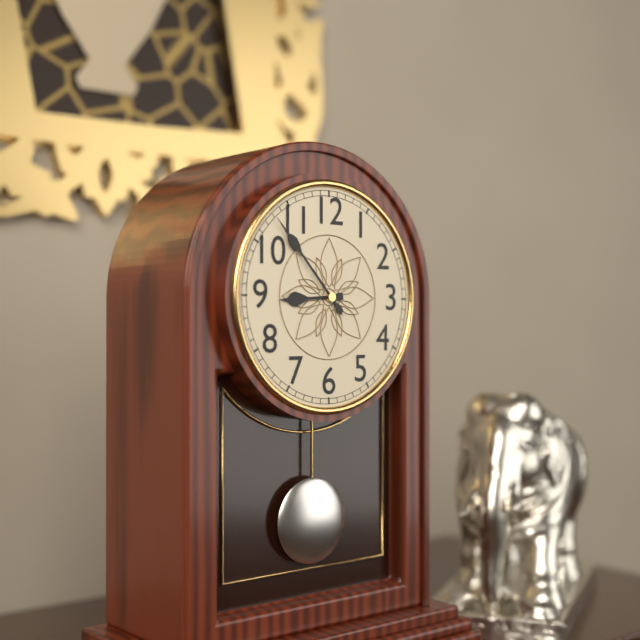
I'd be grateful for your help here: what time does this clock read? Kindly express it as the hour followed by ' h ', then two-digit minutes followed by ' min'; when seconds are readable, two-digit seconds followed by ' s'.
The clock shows 8 h 53 min
